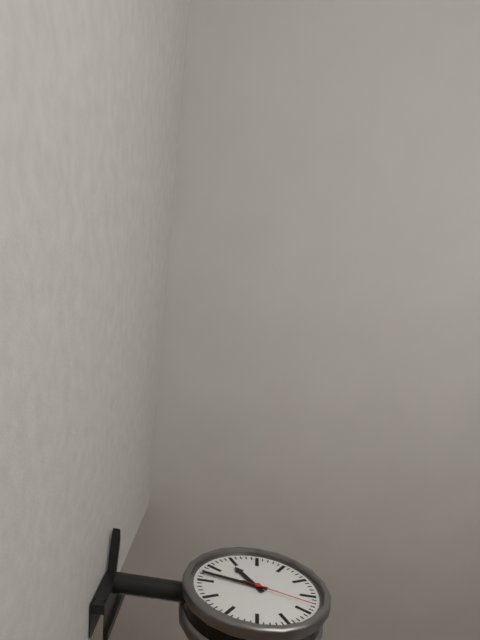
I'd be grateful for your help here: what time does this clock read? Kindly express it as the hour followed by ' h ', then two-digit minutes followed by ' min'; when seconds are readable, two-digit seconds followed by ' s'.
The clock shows 10 h 47 min 18 s
